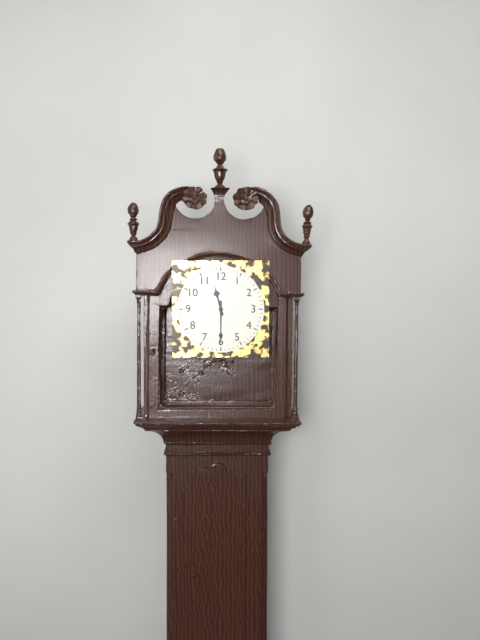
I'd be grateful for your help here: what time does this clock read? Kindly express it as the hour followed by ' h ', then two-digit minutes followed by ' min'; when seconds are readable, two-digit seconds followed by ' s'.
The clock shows 11 h 30 min
